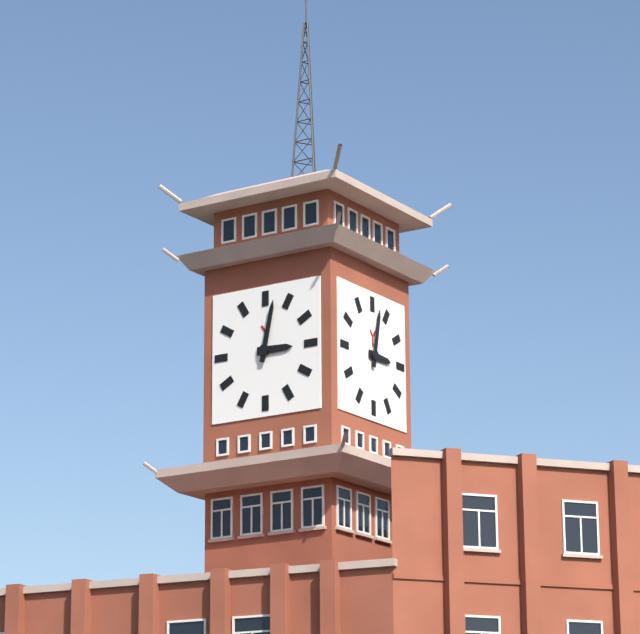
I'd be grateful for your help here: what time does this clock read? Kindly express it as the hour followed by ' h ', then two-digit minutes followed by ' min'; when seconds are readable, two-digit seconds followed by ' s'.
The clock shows 3 h 02 min
